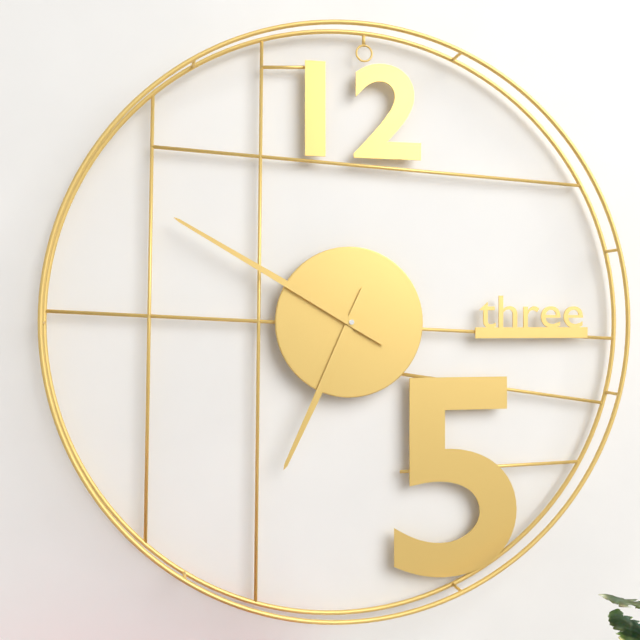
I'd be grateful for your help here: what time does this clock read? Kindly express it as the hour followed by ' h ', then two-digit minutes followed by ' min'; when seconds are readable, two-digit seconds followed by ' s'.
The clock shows 6 h 50 min
